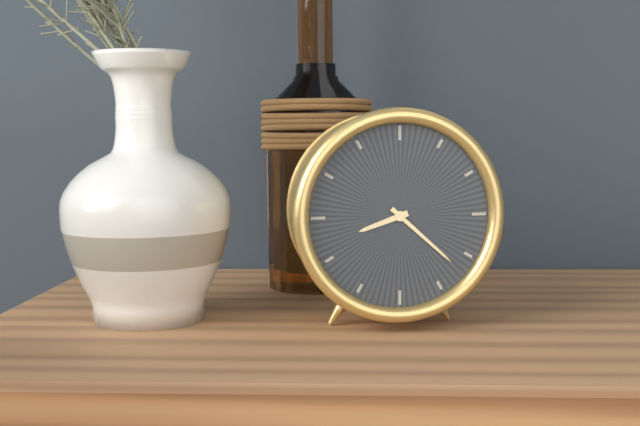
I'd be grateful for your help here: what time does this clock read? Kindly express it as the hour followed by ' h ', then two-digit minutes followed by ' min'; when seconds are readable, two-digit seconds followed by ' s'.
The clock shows 8 h 22 min
